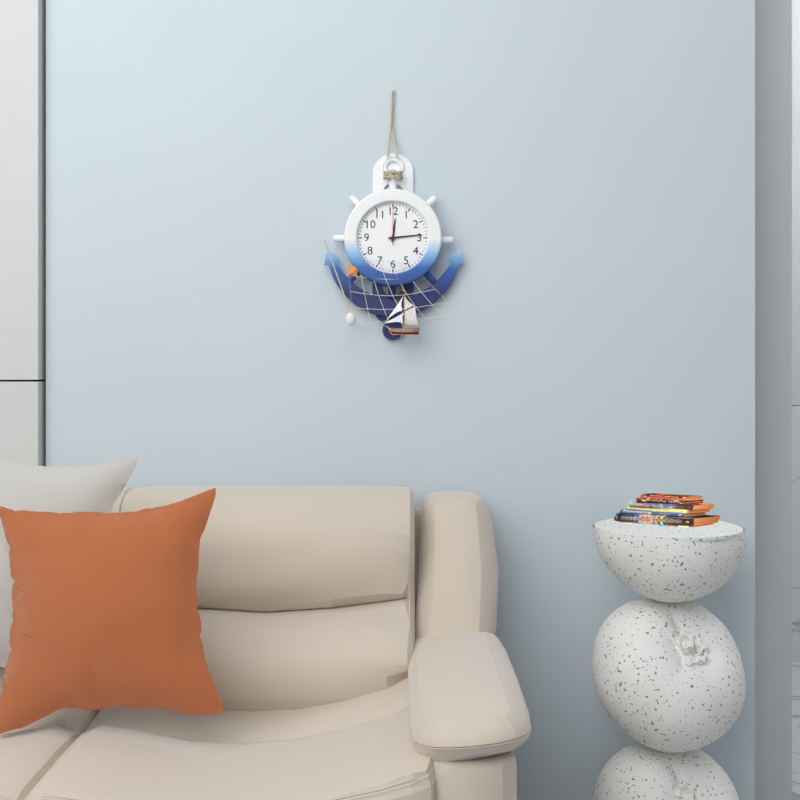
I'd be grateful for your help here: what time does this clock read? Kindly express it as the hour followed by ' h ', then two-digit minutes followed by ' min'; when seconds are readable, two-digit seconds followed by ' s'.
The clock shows 12 h 14 min
